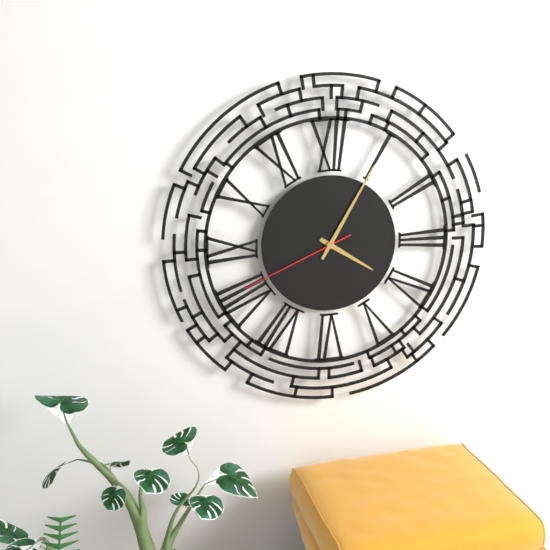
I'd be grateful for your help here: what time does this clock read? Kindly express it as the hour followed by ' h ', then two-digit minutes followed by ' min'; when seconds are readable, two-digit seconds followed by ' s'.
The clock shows 4 h 05 min 41 s
